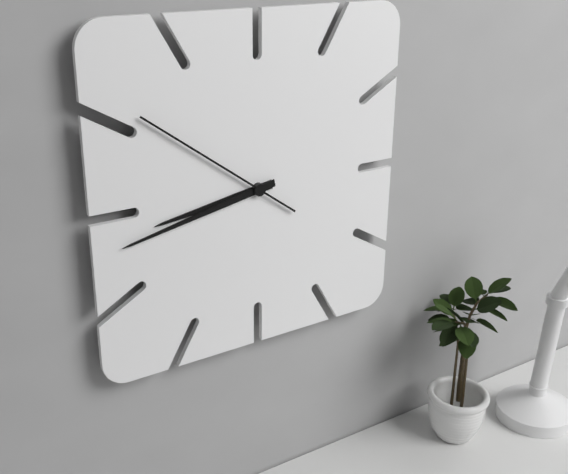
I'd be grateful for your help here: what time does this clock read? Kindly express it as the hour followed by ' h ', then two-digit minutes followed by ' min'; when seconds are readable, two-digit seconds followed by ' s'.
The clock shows 8 h 43 min 51 s
